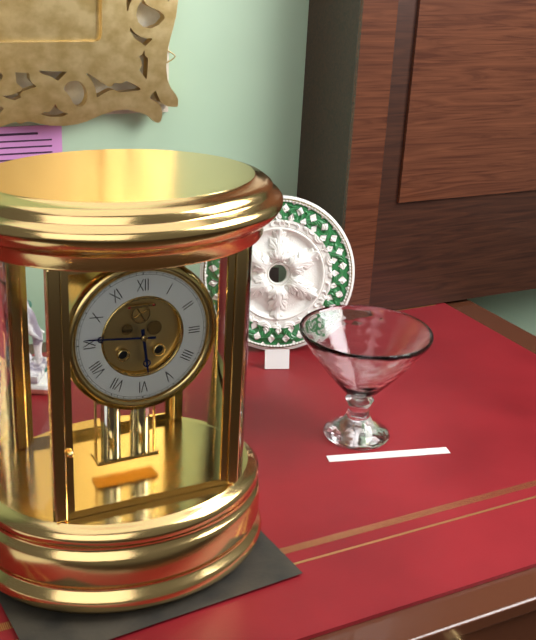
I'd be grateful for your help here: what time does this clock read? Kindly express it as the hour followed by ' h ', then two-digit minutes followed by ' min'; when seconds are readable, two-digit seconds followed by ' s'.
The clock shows 5 h 46 min
